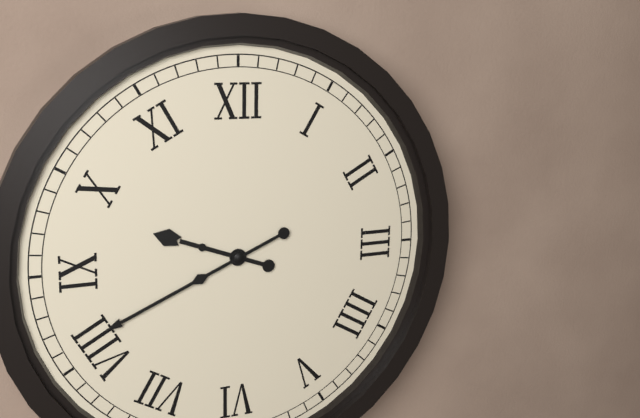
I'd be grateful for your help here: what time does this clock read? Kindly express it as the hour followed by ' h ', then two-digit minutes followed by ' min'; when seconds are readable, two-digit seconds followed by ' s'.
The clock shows 9 h 41 min
